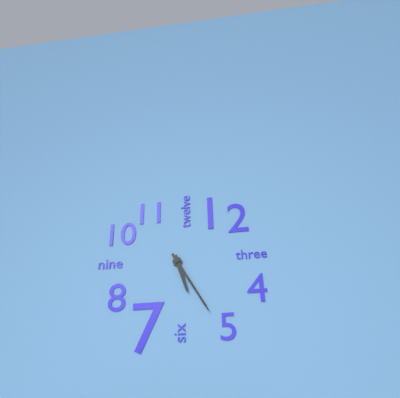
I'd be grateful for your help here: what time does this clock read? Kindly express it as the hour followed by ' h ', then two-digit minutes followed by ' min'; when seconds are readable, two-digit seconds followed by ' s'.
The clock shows 5 h 25 min
